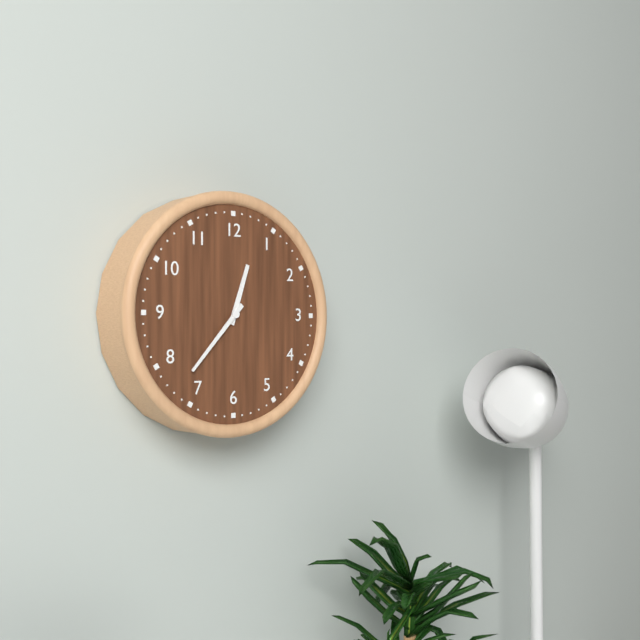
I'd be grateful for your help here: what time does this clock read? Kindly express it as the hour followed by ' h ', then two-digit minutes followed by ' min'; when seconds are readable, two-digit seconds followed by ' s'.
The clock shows 12 h 37 min
